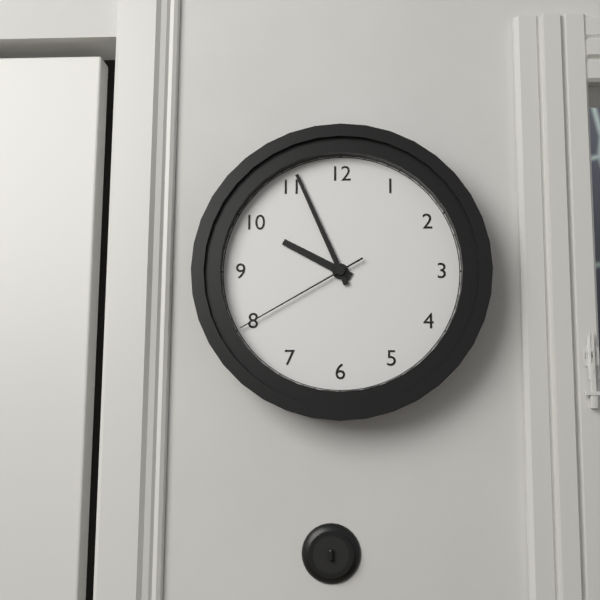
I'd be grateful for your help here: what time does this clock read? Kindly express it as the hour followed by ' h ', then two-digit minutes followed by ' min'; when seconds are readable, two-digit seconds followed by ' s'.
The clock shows 9 h 56 min 40 s
